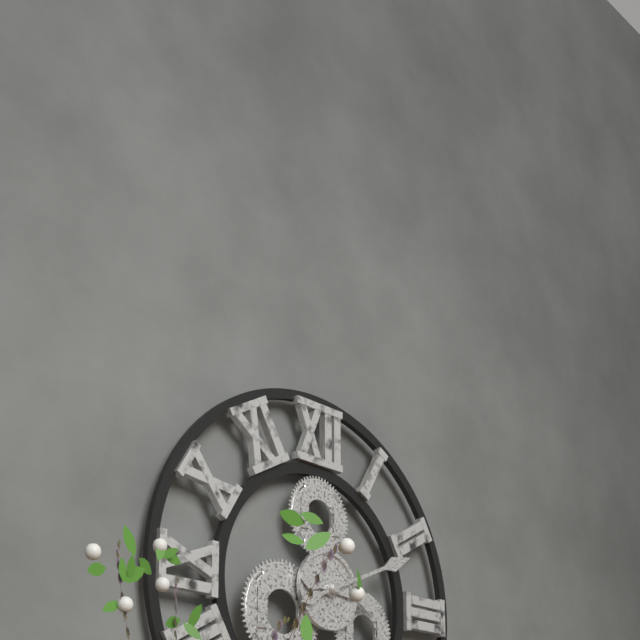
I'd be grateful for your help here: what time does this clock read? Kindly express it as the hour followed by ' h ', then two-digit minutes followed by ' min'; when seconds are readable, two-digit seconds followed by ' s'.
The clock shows 3 h 11 min
